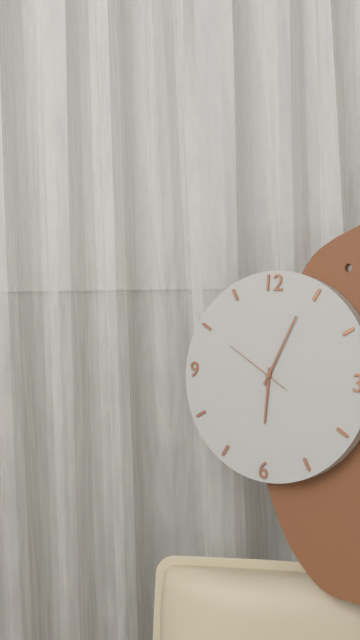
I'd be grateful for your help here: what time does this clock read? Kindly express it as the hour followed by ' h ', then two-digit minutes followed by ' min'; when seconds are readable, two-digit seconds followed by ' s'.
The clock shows 6 h 04 min 50 s
